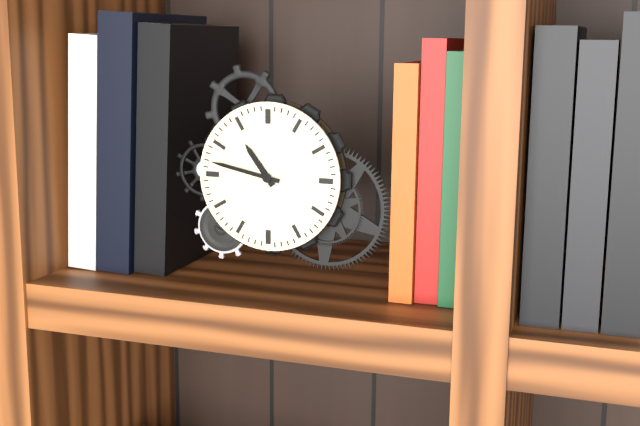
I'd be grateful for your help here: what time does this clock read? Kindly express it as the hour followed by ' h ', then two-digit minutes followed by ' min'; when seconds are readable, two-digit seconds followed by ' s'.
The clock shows 10 h 47 min
